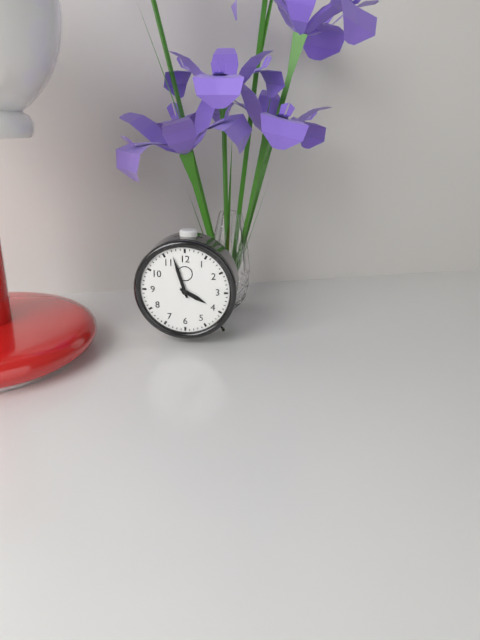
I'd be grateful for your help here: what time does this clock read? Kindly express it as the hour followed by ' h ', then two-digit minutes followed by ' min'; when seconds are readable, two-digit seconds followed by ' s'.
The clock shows 3 h 57 min
